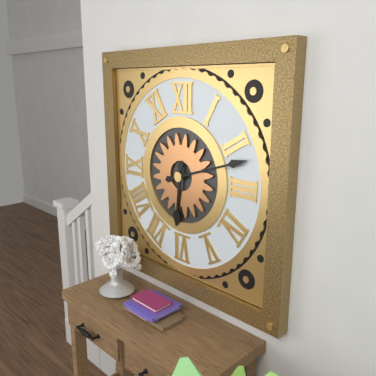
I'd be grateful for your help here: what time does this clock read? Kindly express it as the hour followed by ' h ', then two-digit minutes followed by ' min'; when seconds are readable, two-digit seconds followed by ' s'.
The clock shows 6 h 12 min
